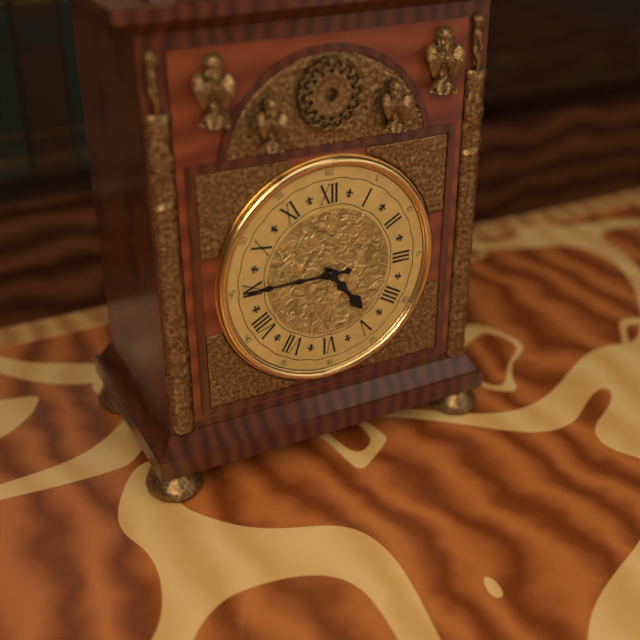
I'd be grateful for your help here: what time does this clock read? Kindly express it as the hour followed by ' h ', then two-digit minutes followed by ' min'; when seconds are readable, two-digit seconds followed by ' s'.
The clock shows 4 h 45 min
